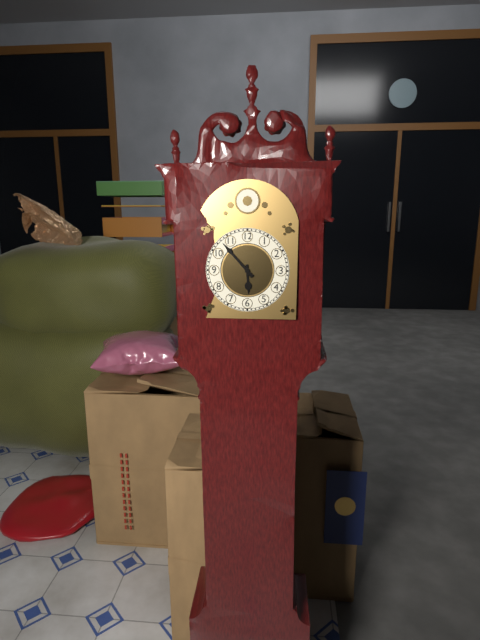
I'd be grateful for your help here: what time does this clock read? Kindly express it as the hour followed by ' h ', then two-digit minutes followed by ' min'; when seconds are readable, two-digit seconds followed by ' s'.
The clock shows 5 h 53 min
